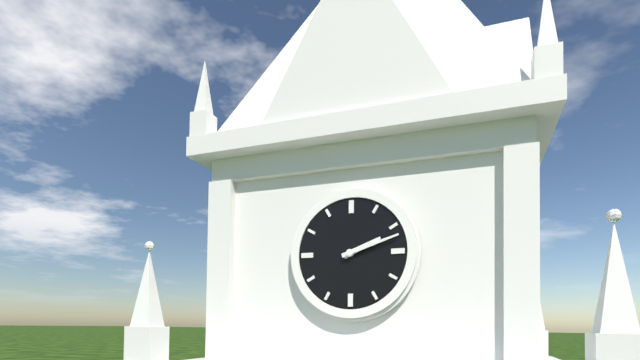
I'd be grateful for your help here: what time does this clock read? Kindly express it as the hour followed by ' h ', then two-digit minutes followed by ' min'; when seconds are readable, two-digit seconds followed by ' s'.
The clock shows 2 h 12 min
